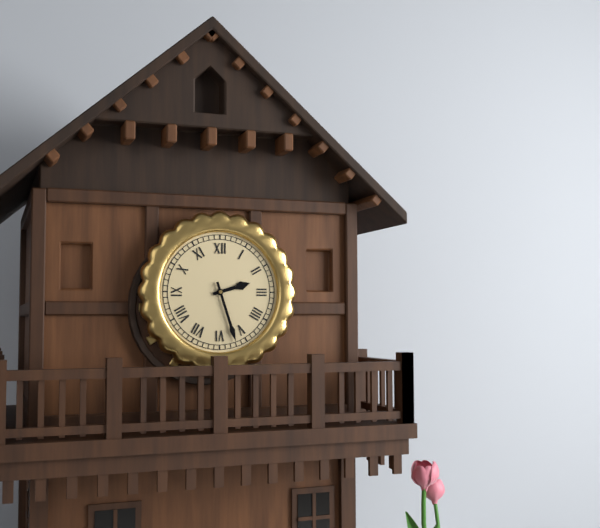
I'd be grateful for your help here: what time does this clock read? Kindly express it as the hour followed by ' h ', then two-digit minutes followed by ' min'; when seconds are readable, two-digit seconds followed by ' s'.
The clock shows 2 h 27 min
